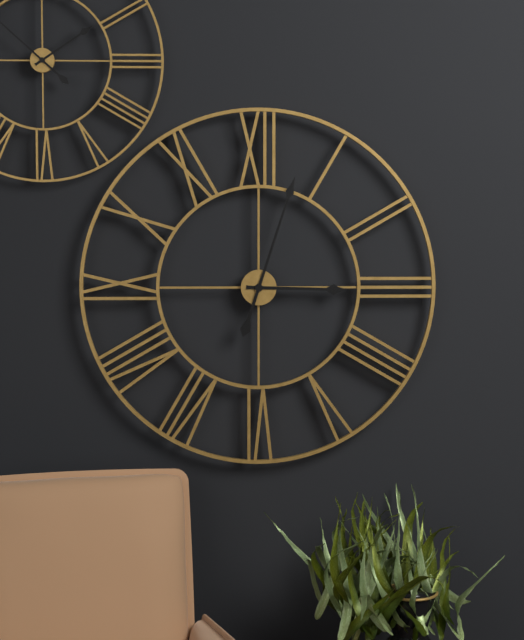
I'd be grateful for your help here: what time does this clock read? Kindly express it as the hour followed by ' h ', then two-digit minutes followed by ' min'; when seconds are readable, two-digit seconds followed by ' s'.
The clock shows 3 h 03 min
